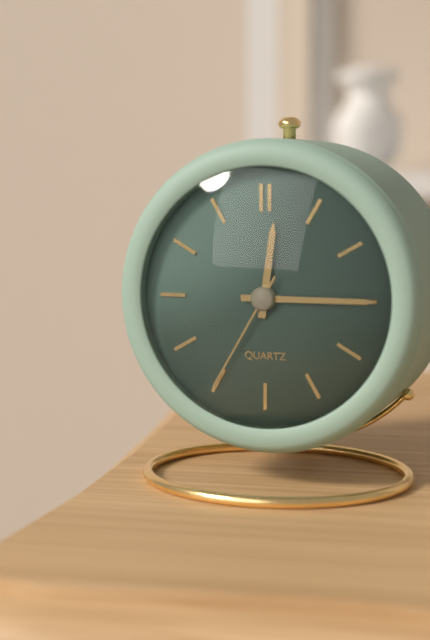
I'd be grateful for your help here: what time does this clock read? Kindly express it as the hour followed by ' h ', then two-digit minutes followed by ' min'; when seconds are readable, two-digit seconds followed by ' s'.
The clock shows 12 h 15 min 35 s
